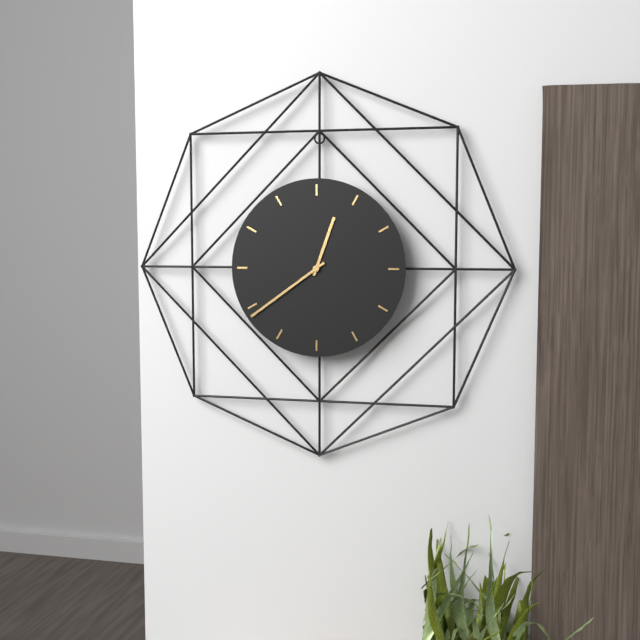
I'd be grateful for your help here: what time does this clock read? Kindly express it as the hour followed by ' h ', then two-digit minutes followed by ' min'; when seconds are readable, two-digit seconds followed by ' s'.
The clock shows 12 h 39 min
